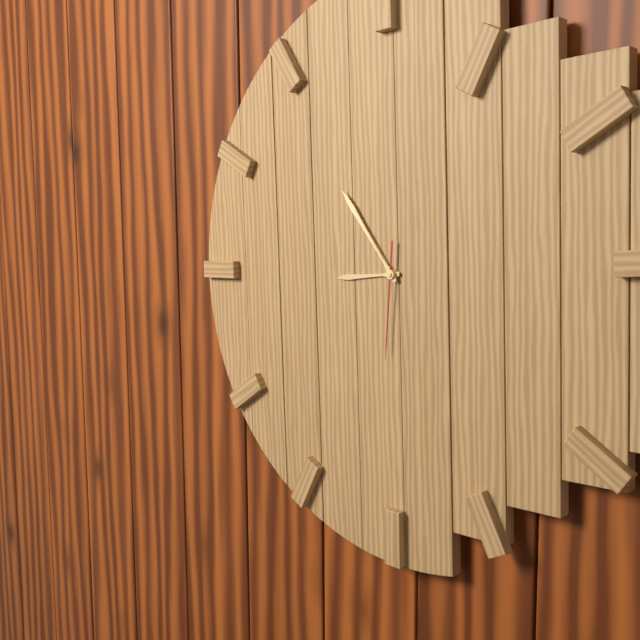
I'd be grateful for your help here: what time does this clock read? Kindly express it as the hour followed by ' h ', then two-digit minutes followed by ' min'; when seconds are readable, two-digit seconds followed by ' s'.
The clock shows 8 h 54 min 31 s
